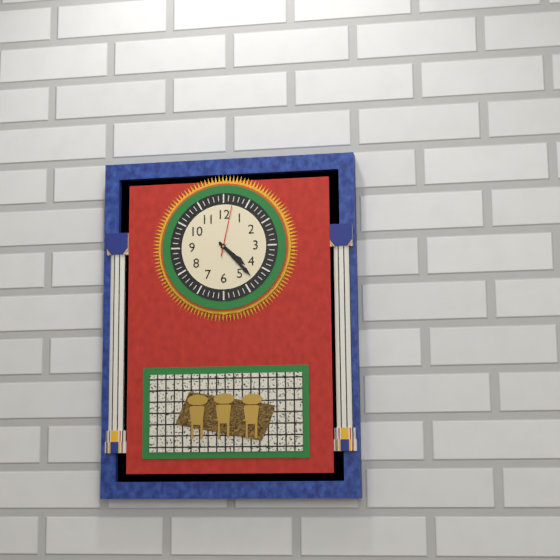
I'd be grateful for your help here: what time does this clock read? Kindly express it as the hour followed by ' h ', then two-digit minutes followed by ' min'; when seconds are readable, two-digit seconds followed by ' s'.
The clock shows 4 h 23 min 02 s
